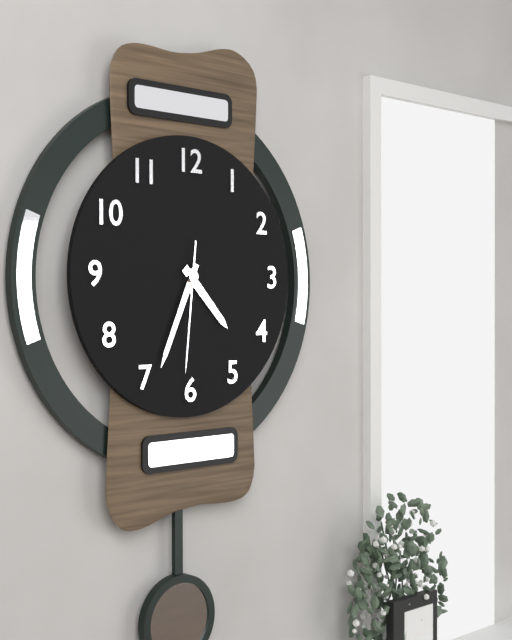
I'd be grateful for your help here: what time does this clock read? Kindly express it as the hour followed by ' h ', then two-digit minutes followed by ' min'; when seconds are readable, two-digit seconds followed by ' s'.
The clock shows 4 h 34 min 31 s
